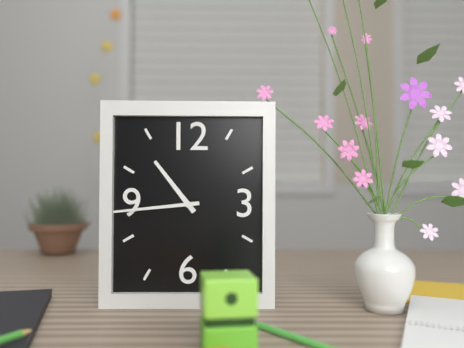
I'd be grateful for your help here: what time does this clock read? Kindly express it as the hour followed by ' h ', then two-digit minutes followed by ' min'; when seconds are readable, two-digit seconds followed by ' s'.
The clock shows 10 h 44 min
